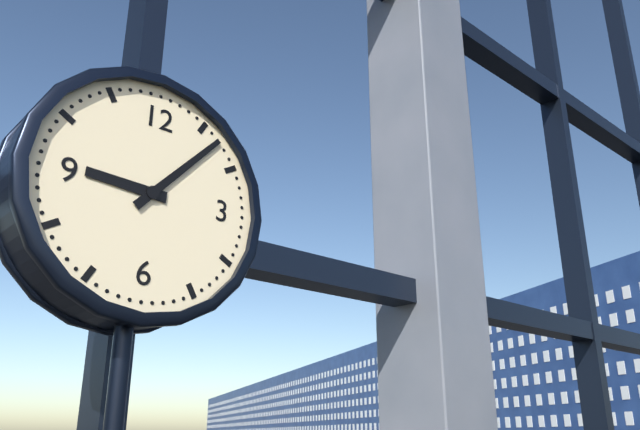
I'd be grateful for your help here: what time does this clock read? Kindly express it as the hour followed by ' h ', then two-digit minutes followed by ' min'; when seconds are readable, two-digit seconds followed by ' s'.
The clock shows 9 h 07 min
